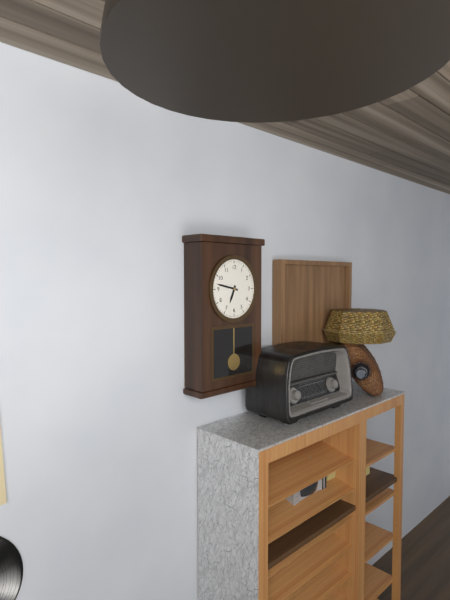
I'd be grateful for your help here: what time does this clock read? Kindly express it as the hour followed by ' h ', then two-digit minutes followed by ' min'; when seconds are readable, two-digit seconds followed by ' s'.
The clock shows 6 h 47 min
